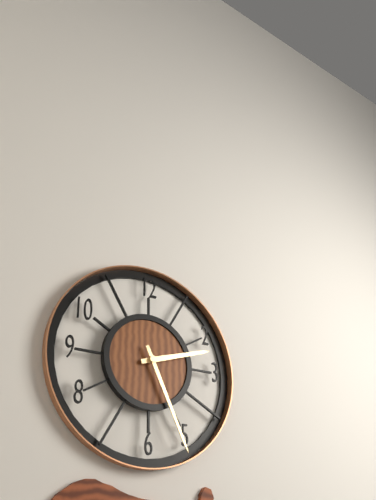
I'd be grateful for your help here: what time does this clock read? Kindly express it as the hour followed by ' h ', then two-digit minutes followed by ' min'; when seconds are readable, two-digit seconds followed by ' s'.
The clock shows 2 h 26 min
